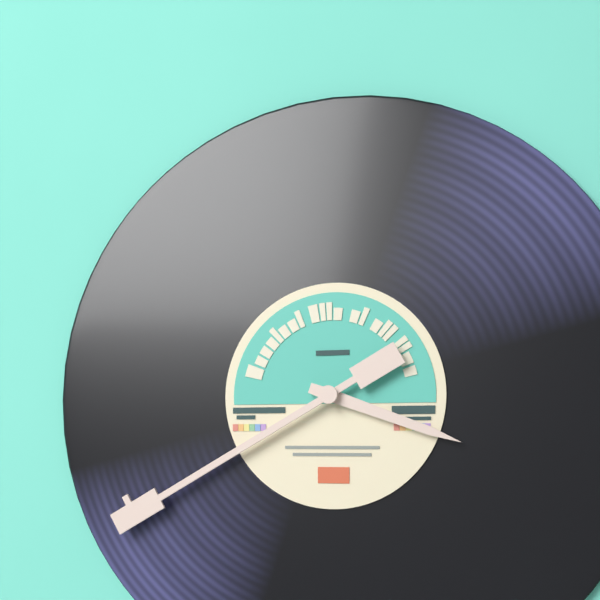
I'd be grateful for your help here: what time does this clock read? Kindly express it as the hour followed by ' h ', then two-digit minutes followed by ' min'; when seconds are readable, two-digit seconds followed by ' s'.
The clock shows 3 h 40 min
